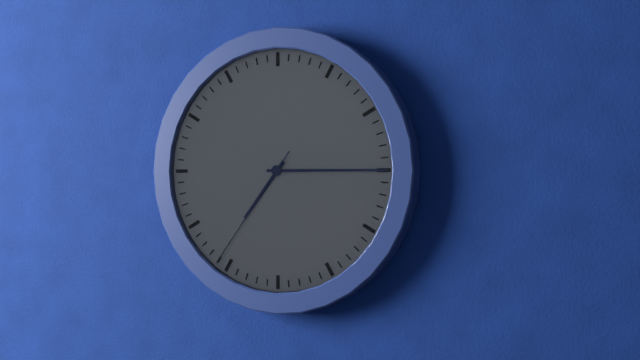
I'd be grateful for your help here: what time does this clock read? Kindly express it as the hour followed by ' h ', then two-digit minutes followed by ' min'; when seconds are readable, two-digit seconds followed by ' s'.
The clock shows 7 h 15 min 36 s
